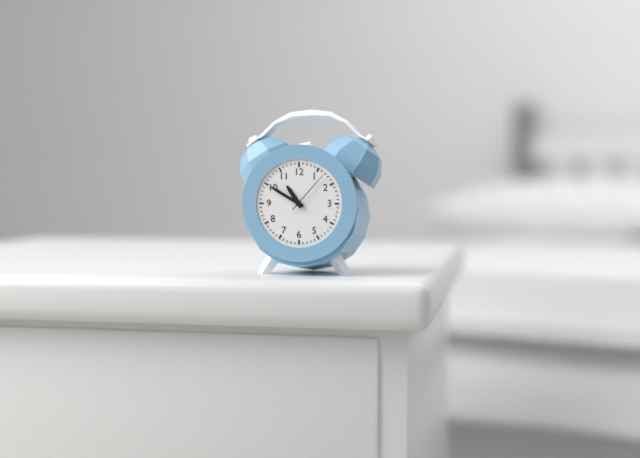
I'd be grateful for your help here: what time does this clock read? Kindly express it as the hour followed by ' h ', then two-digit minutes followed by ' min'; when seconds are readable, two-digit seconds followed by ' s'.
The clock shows 10 h 50 min
